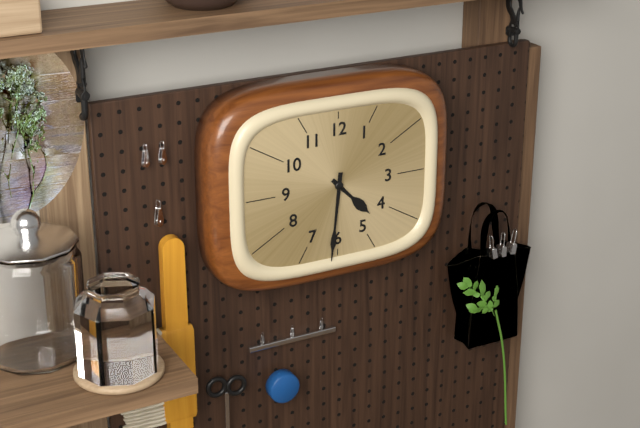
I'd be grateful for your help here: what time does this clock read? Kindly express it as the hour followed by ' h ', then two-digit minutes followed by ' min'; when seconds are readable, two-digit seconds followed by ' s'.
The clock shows 4 h 31 min
